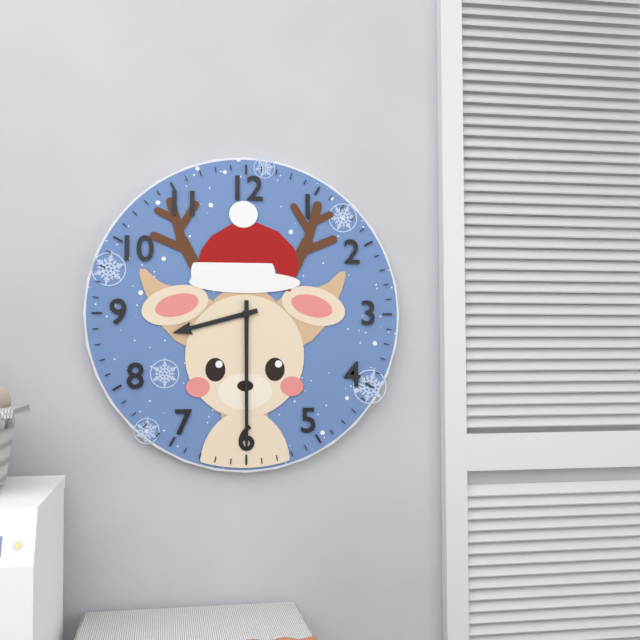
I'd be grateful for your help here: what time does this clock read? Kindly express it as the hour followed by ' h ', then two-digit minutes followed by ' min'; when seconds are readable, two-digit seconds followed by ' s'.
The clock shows 8 h 30 min
